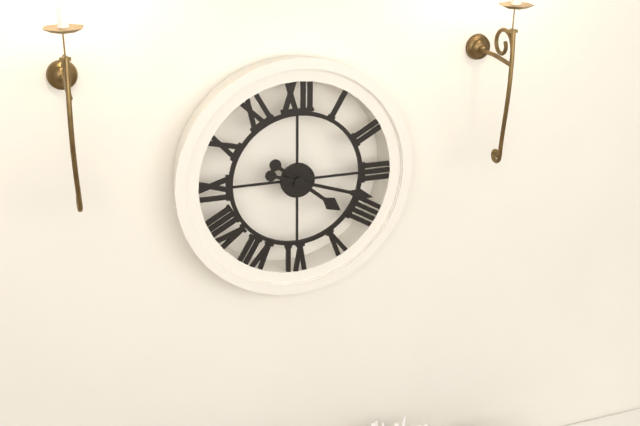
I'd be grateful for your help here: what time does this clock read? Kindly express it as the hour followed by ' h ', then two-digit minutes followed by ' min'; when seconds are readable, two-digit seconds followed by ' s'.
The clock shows 4 h 18 min
